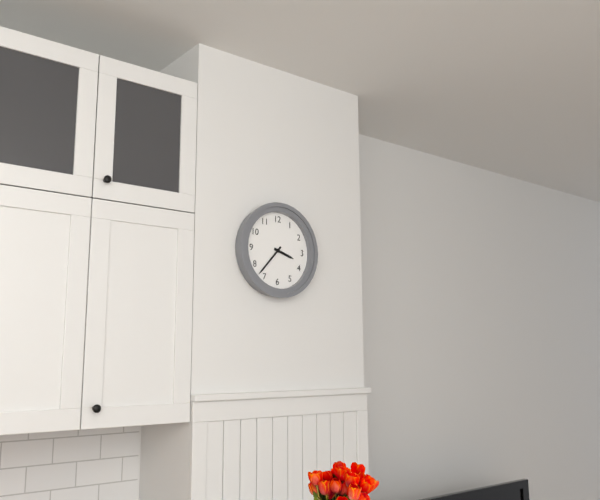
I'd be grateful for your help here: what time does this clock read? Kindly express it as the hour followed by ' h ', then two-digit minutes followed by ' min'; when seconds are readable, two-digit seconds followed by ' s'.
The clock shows 3 h 37 min
